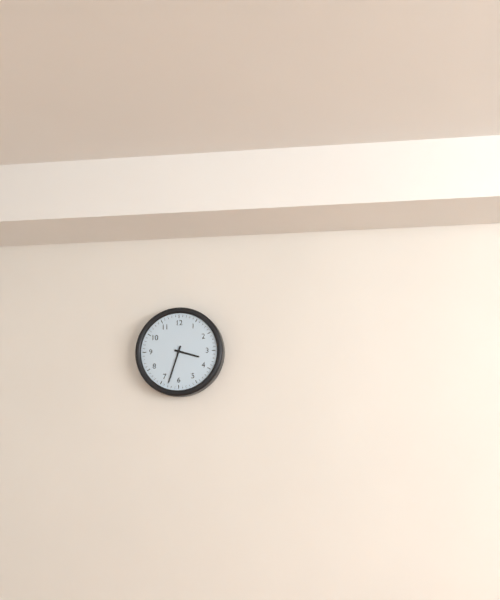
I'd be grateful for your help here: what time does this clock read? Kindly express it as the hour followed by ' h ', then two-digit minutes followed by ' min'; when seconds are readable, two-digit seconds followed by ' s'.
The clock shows 3 h 33 min
